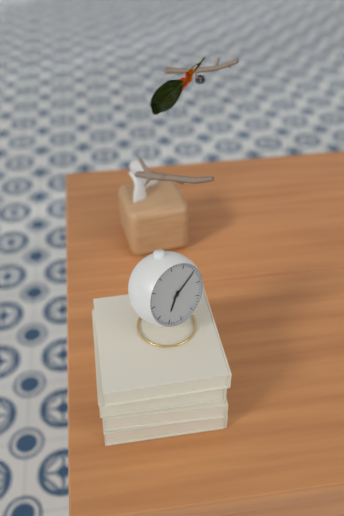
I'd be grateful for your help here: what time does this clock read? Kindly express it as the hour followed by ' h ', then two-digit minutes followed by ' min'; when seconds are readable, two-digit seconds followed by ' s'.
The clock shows 7 h 10 min
